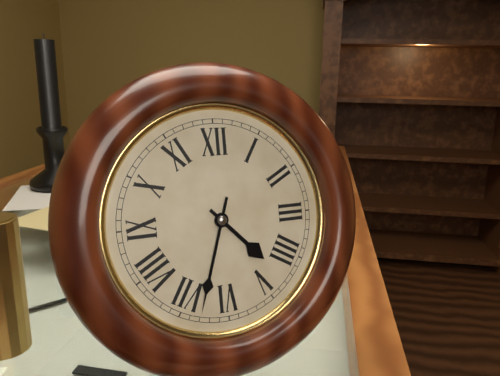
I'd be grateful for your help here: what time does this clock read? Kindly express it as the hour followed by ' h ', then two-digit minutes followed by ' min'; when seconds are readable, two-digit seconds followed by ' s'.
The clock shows 4 h 33 min
